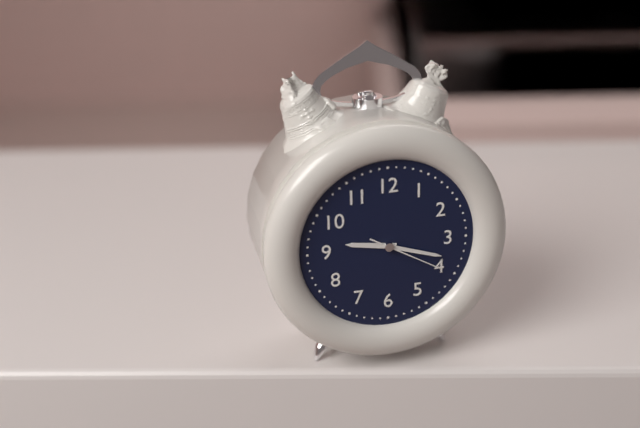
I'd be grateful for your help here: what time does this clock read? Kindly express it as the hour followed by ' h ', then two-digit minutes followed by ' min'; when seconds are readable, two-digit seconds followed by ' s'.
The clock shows 9 h 18 min 20 s
